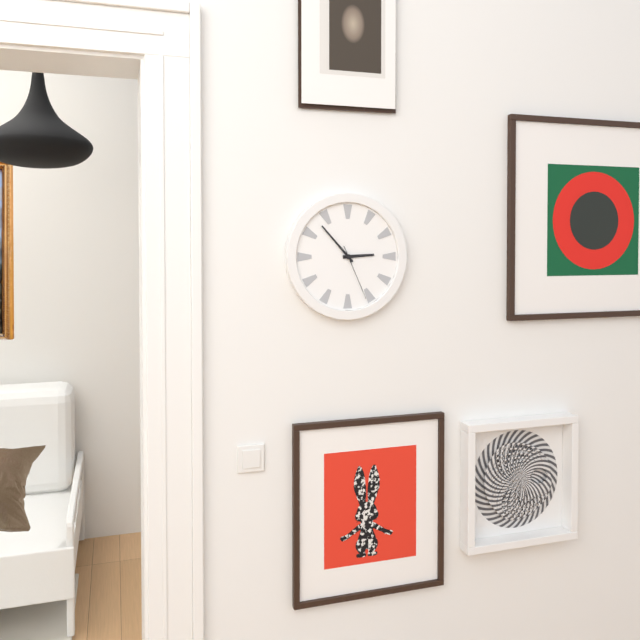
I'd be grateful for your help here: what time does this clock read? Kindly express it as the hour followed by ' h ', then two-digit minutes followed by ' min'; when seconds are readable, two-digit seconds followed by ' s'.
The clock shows 2 h 53 min 26 s
